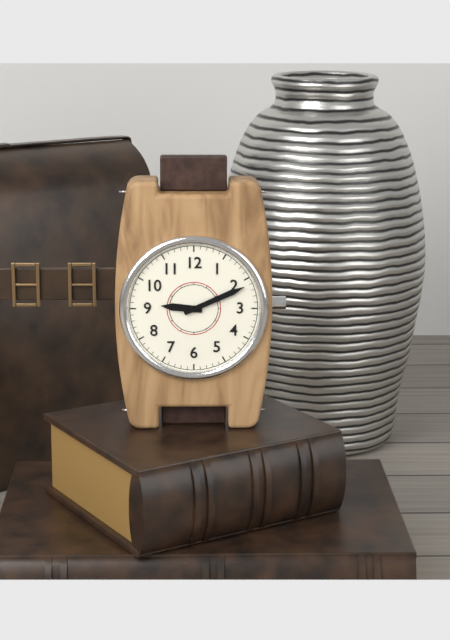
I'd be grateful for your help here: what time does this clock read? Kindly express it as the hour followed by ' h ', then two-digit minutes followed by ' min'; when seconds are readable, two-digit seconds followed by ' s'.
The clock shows 9 h 11 min
